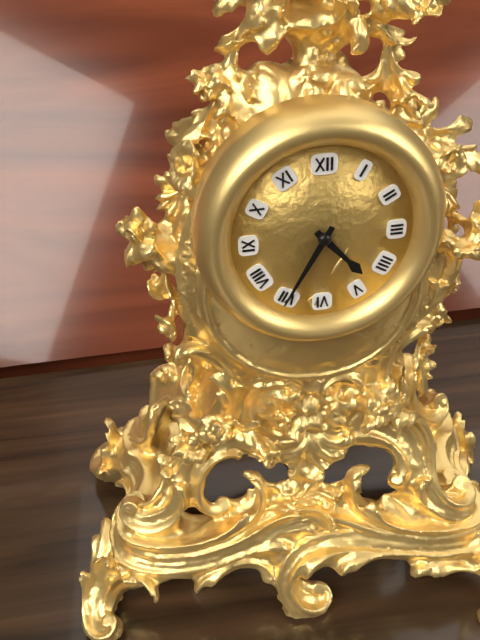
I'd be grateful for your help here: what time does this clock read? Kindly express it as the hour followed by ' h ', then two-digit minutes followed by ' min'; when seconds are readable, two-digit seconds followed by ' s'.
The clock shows 4 h 35 min
